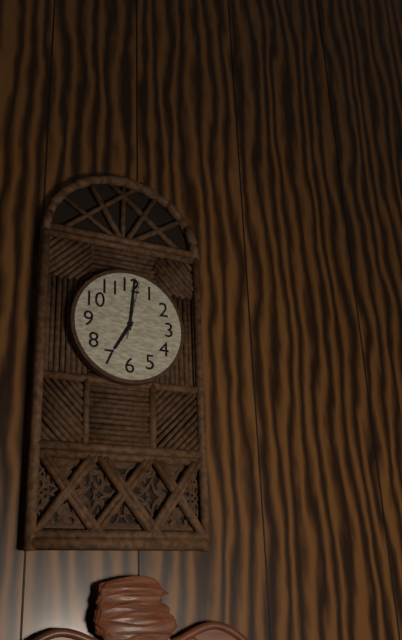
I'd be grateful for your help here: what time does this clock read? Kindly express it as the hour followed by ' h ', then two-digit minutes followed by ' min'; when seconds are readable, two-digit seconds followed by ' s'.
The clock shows 7 h 01 min 02 s
